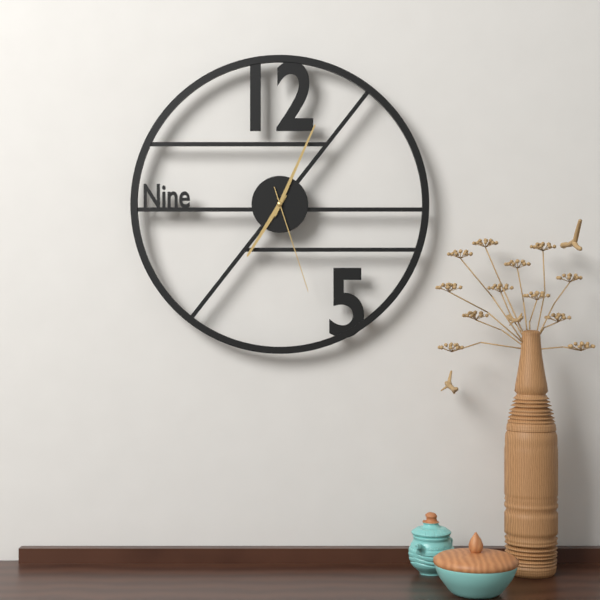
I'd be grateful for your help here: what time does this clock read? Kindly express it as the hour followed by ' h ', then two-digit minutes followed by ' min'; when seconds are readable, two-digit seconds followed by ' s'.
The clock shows 7 h 04 min 27 s
